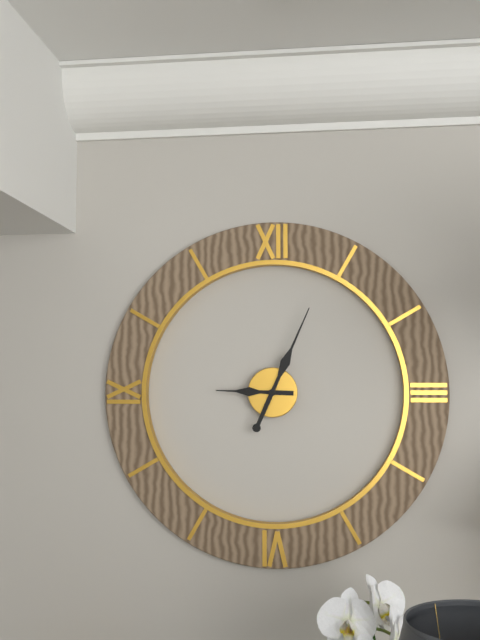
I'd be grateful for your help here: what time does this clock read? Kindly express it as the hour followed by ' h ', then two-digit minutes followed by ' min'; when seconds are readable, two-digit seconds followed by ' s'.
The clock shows 9 h 04 min
